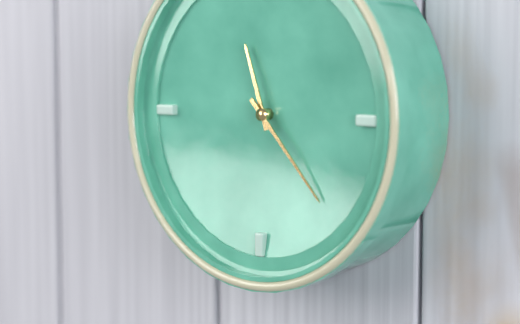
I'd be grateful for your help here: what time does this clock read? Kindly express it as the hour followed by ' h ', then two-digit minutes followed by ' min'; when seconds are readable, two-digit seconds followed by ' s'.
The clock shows 11 h 23 min
